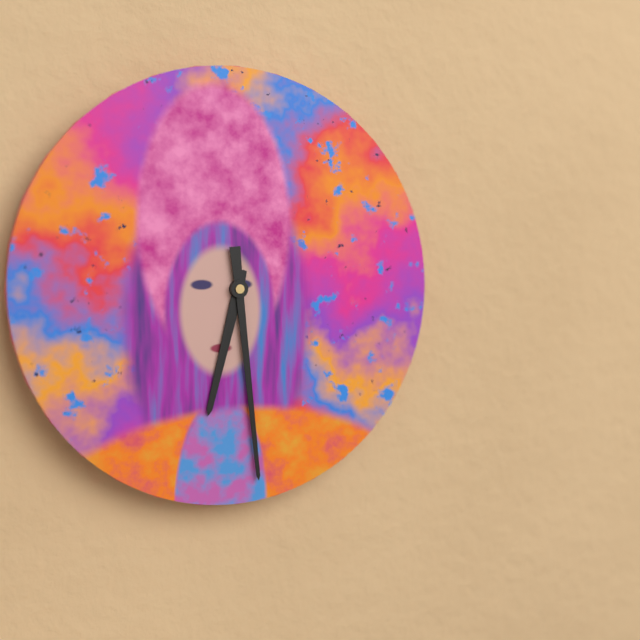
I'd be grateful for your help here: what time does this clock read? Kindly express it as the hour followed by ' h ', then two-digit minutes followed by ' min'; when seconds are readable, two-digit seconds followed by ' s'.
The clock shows 6 h 29 min
